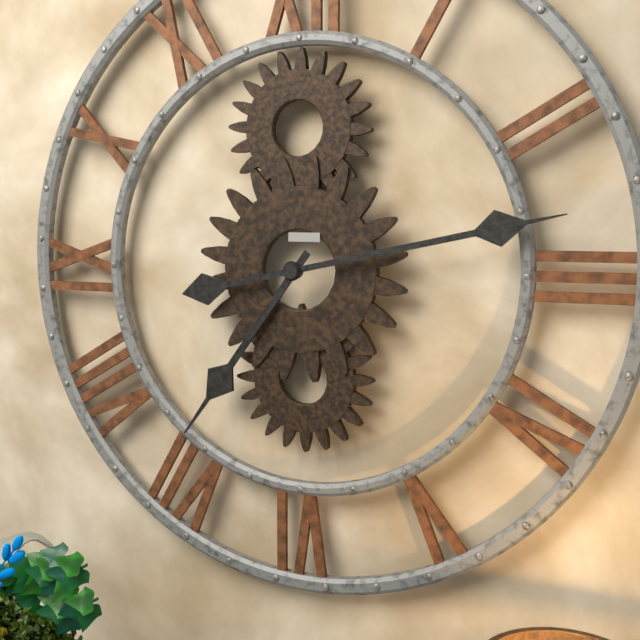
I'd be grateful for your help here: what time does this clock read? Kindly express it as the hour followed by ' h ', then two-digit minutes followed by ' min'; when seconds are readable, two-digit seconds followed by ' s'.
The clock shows 7 h 13 min
